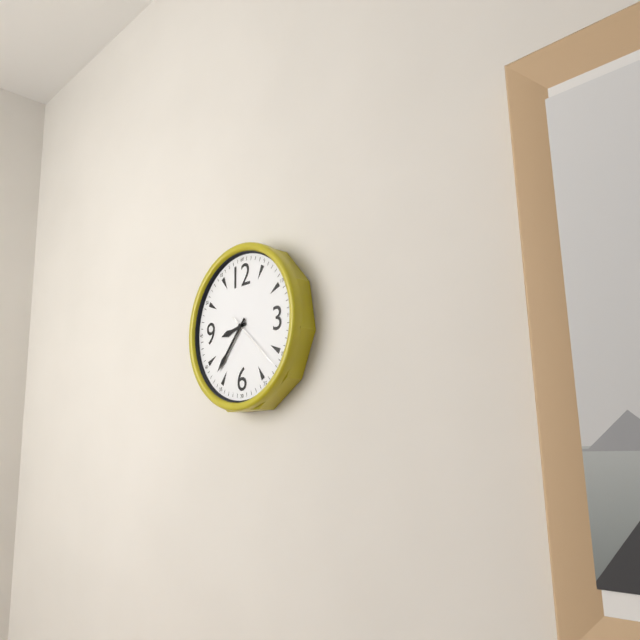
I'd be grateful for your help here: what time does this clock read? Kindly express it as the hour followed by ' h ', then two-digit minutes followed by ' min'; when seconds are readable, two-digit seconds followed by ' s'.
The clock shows 8 h 37 min 22 s
